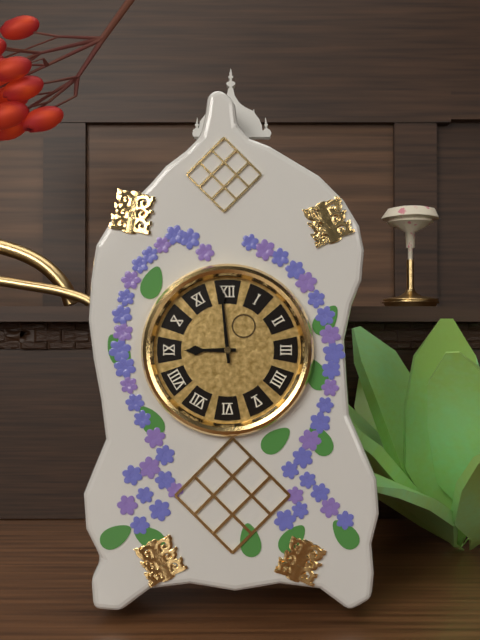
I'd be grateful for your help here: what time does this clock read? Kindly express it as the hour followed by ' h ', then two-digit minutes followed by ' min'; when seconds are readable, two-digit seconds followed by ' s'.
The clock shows 8 h 59 min
